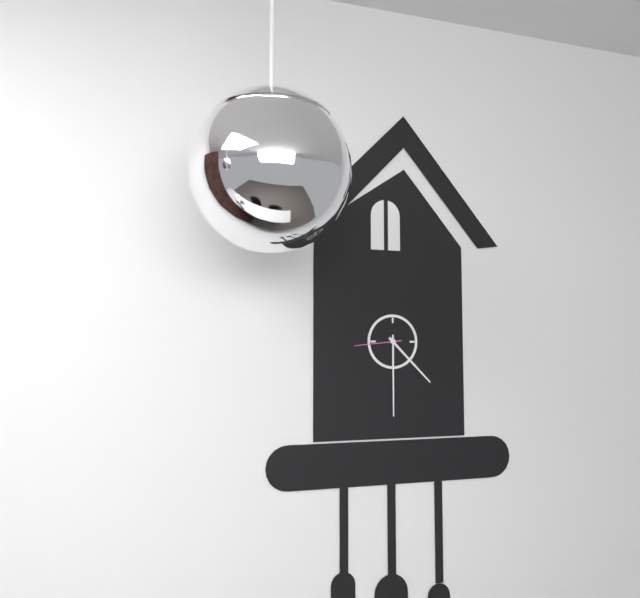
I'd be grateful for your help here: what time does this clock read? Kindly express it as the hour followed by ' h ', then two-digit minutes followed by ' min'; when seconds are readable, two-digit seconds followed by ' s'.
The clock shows 4 h 30 min
